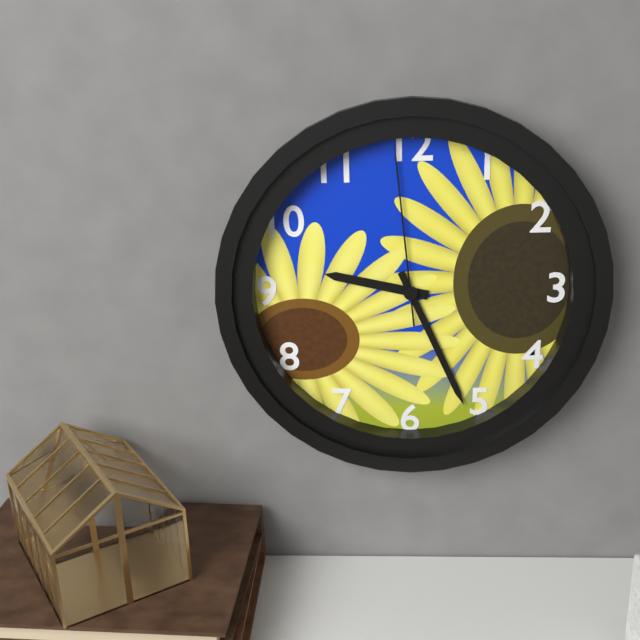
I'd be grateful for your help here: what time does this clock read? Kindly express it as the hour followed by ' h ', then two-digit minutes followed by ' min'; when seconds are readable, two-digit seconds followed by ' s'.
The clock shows 9 h 26 min 59 s
